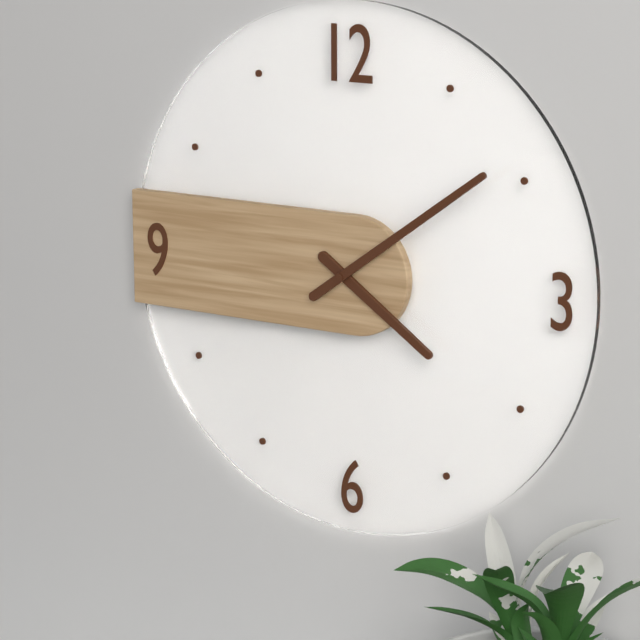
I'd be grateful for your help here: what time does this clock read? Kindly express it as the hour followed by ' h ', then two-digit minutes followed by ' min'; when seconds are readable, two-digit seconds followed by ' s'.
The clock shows 4 h 09 min
